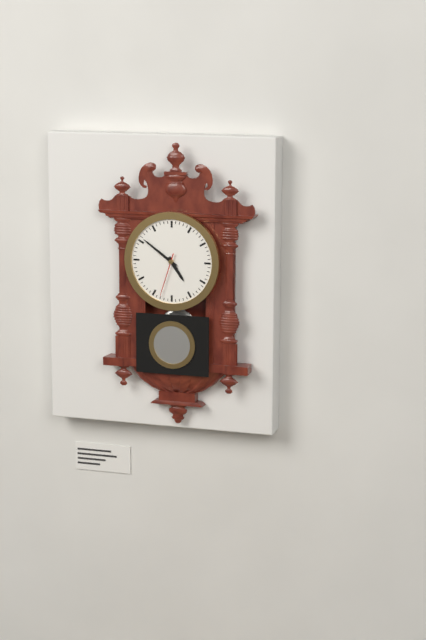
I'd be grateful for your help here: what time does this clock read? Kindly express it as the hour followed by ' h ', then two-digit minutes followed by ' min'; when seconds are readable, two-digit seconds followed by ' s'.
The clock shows 4 h 51 min
